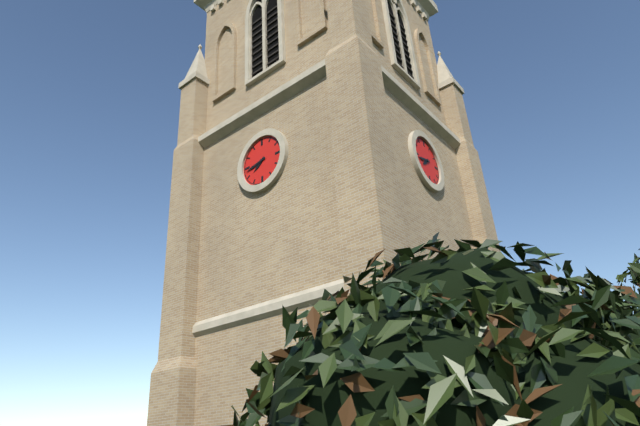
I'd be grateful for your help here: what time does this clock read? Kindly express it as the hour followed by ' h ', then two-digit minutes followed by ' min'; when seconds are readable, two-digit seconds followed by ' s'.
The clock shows 7 h 43 min
